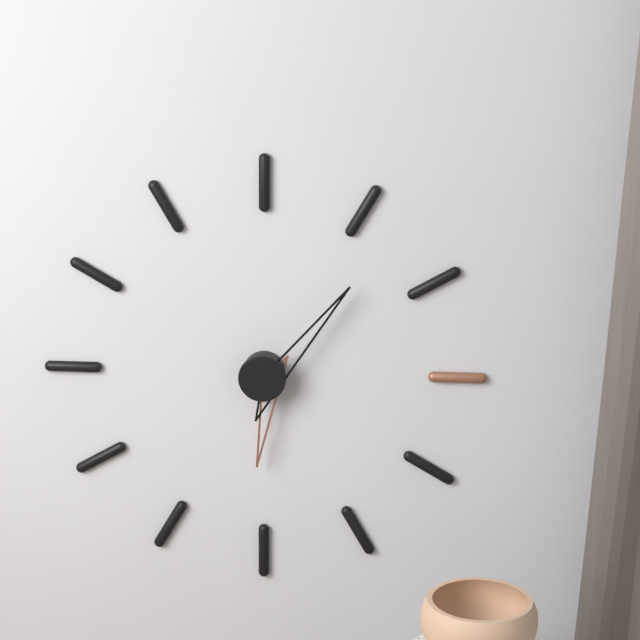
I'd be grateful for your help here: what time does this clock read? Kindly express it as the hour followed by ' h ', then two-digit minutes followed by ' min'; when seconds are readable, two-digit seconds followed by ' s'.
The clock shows 6 h 07 min
